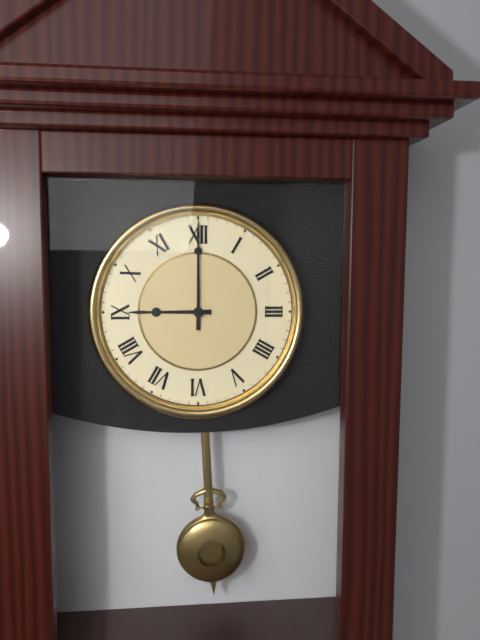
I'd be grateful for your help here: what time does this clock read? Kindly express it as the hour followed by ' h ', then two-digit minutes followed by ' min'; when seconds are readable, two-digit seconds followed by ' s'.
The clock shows 9 h 00 min
